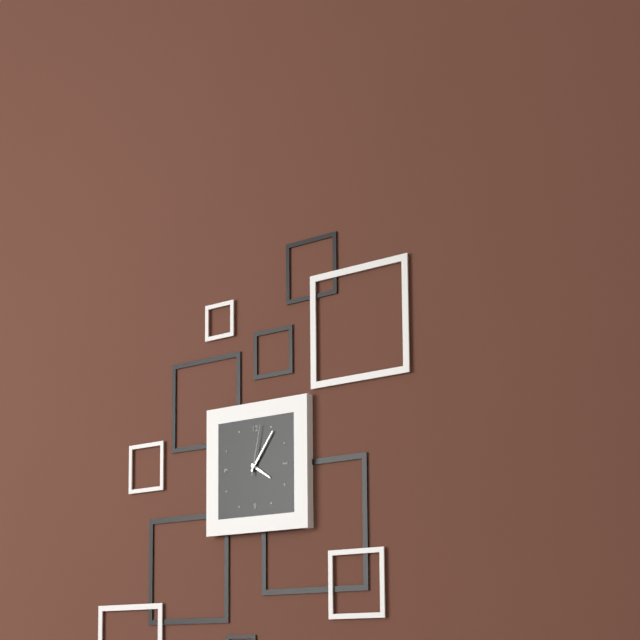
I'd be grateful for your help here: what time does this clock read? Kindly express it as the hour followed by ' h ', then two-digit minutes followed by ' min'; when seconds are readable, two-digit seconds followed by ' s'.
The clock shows 4 h 06 min 02 s
